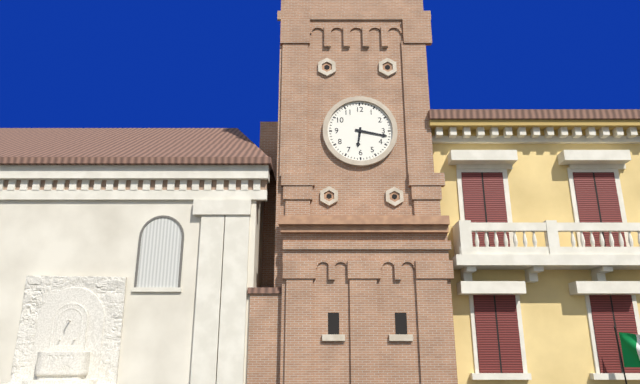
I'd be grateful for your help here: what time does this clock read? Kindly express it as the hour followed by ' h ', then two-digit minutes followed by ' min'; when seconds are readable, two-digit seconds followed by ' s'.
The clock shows 6 h 17 min
